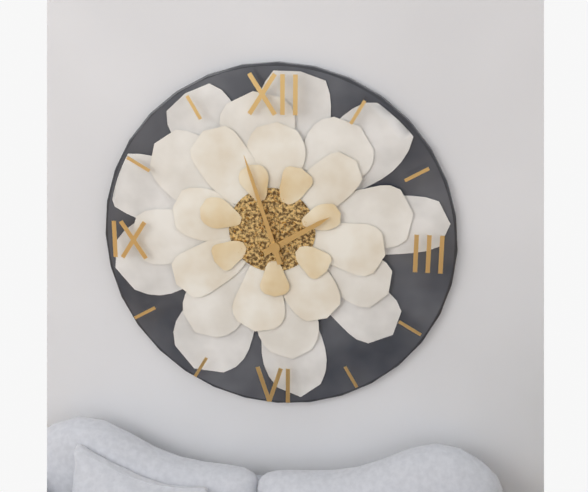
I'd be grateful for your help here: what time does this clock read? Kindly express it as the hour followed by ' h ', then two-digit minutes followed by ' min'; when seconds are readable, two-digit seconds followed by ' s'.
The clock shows 1 h 57 min
